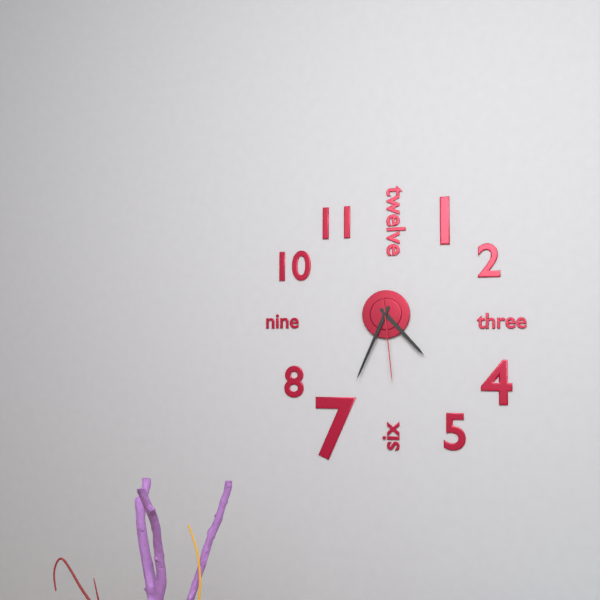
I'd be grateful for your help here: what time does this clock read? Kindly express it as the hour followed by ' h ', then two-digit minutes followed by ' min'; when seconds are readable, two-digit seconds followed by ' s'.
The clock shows 4 h 34 min 29 s
